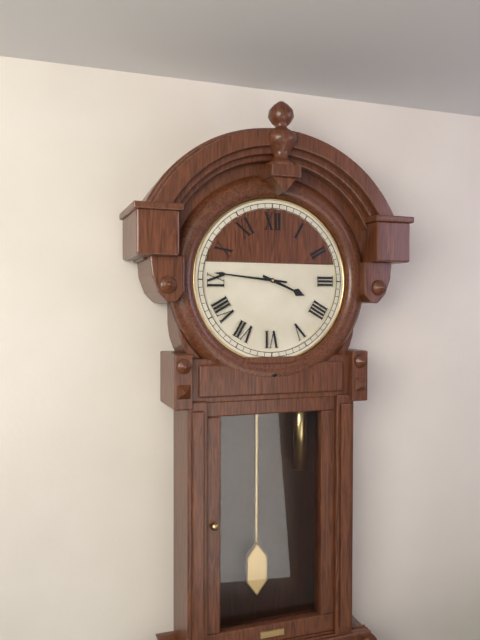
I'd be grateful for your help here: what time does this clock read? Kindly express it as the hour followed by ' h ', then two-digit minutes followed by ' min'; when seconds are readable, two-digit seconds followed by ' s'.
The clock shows 3 h 46 min
